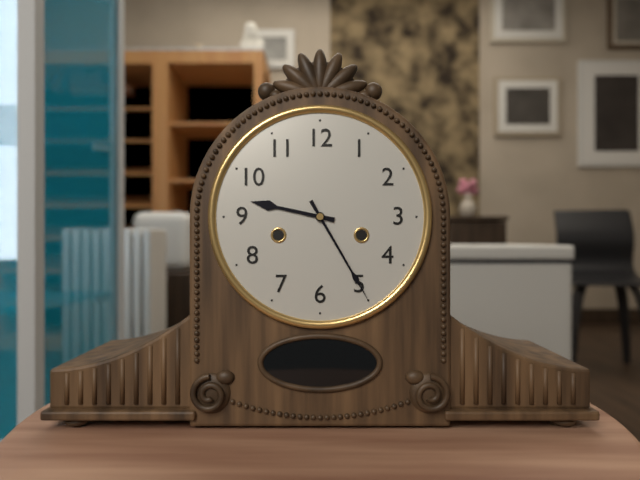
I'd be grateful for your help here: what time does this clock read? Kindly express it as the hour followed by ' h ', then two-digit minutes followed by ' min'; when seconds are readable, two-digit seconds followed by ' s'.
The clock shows 9 h 25 min
